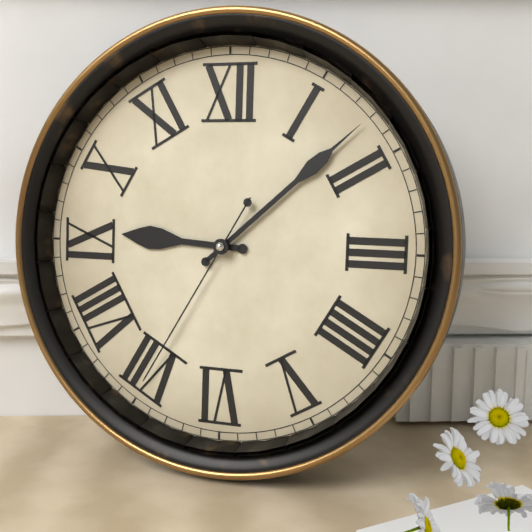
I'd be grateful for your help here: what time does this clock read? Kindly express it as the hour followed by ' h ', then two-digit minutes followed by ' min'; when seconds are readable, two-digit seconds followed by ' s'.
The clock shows 9 h 08 min 35 s
